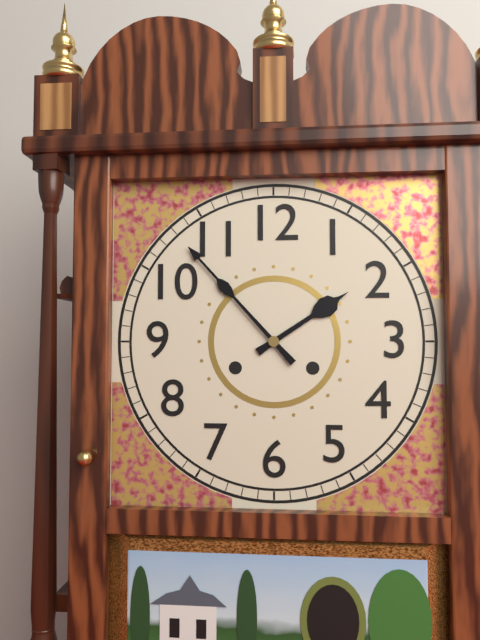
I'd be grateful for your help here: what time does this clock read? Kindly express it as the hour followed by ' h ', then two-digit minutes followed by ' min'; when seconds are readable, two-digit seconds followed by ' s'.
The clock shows 1 h 53 min
